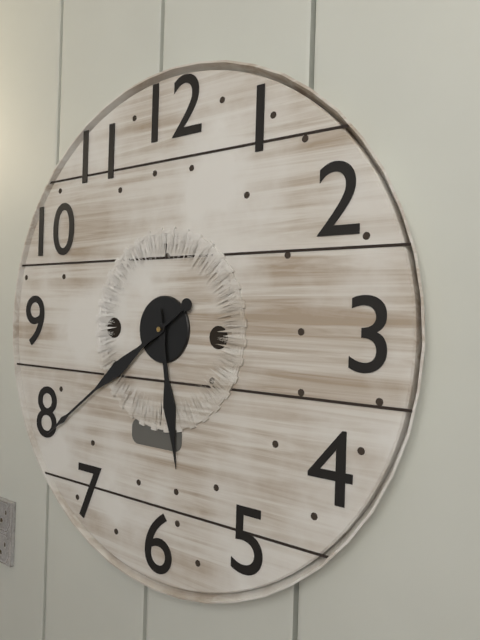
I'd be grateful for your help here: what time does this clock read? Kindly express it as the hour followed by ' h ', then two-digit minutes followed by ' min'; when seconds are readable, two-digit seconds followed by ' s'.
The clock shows 5 h 39 min
